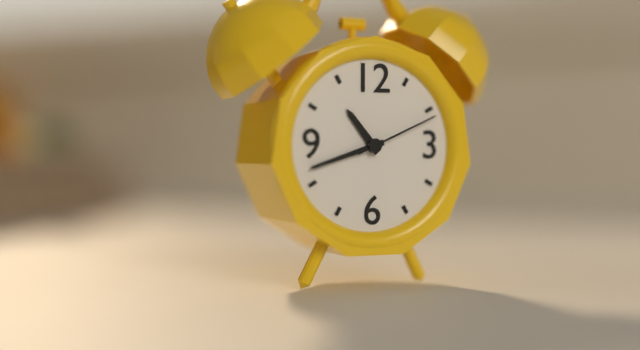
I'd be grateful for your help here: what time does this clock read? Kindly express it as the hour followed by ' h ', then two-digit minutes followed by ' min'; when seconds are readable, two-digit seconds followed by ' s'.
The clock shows 10 h 42 min 11 s
